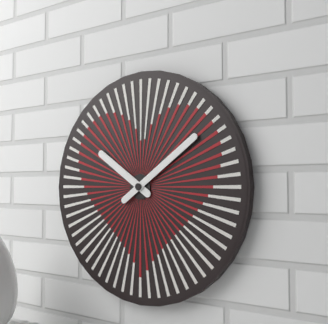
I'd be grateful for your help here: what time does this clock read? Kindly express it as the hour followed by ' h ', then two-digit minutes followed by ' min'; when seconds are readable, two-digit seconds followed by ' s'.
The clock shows 10 h 09 min
